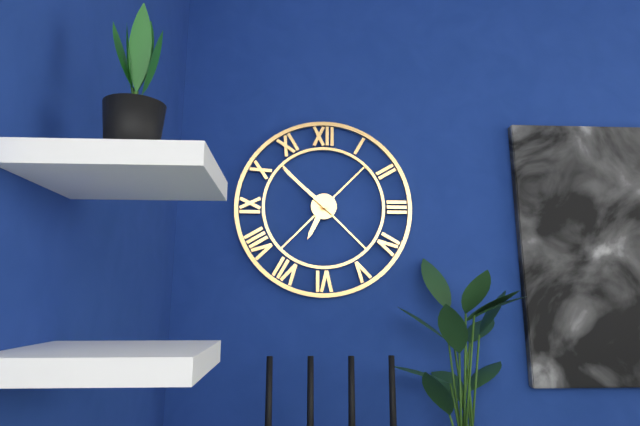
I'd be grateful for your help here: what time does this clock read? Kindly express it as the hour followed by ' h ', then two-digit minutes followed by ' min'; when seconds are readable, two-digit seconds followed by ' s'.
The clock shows 6 h 52 min
